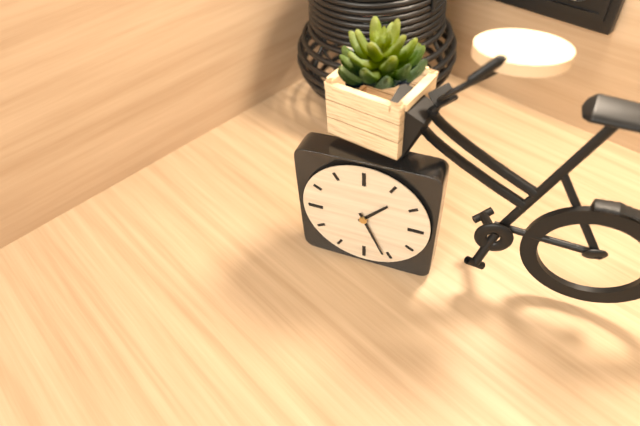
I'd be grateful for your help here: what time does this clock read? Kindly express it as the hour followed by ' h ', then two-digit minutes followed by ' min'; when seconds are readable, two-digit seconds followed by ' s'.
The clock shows 1 h 26 min
